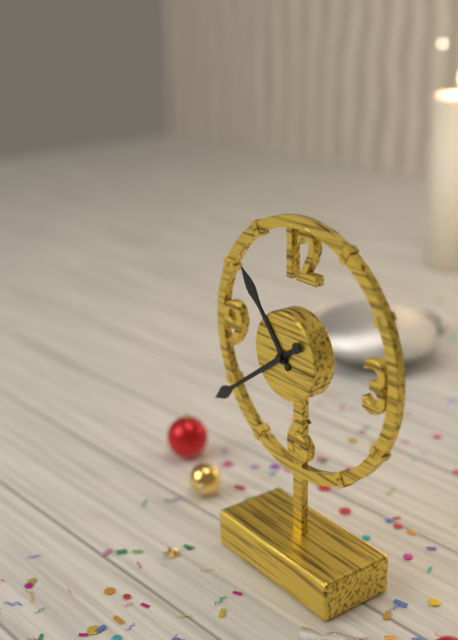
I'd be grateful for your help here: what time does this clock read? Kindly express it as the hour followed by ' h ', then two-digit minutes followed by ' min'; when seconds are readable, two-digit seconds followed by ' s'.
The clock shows 10 h 39 min
